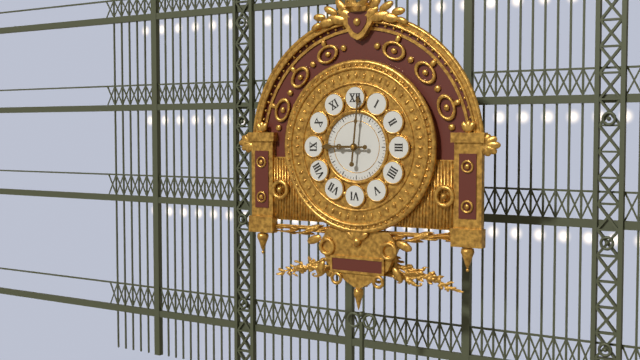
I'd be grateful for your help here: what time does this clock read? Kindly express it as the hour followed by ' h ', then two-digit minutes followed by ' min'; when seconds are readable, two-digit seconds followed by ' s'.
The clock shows 9 h 01 min
